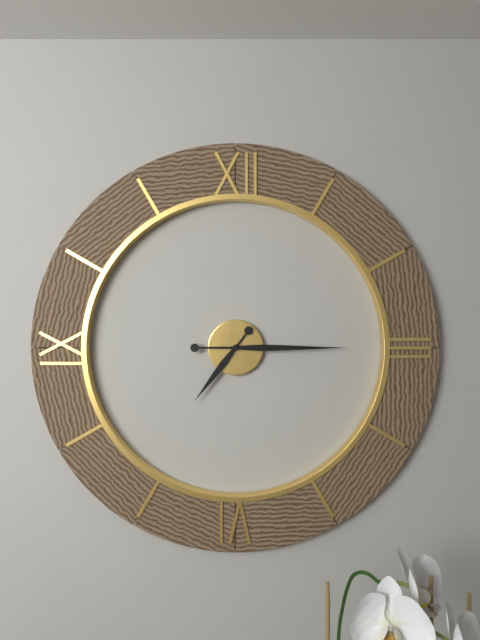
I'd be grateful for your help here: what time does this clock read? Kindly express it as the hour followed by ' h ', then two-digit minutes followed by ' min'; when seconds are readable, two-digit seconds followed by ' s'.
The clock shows 7 h 15 min
